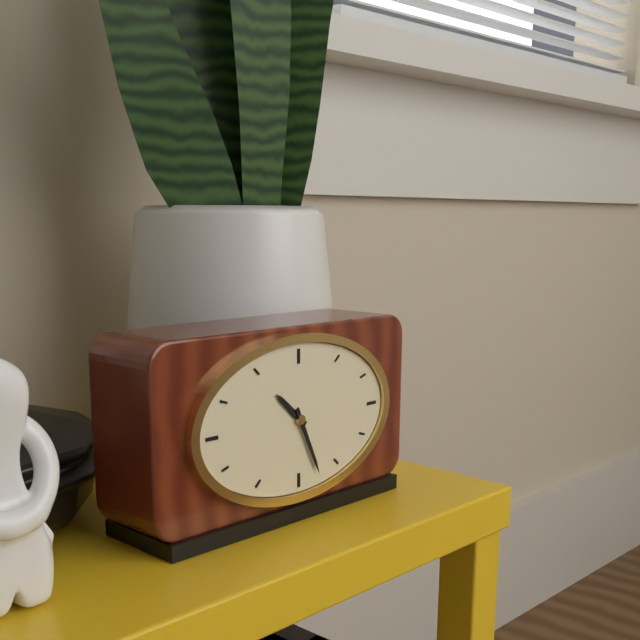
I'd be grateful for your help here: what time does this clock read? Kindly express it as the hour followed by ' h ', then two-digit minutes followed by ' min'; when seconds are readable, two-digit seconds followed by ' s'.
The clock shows 10 h 26 min
